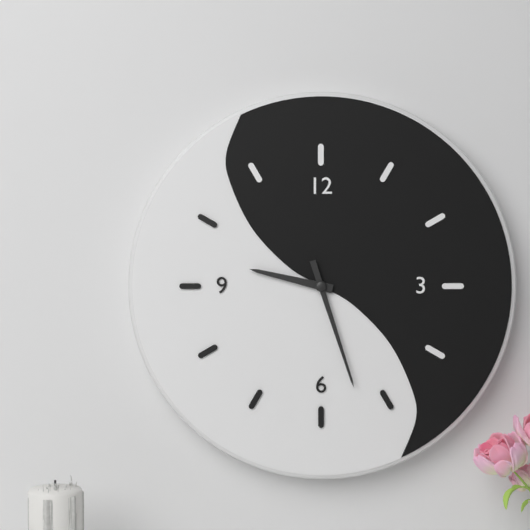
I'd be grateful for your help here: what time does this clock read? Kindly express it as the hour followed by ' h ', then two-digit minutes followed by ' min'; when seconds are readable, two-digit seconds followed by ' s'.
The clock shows 9 h 27 min
